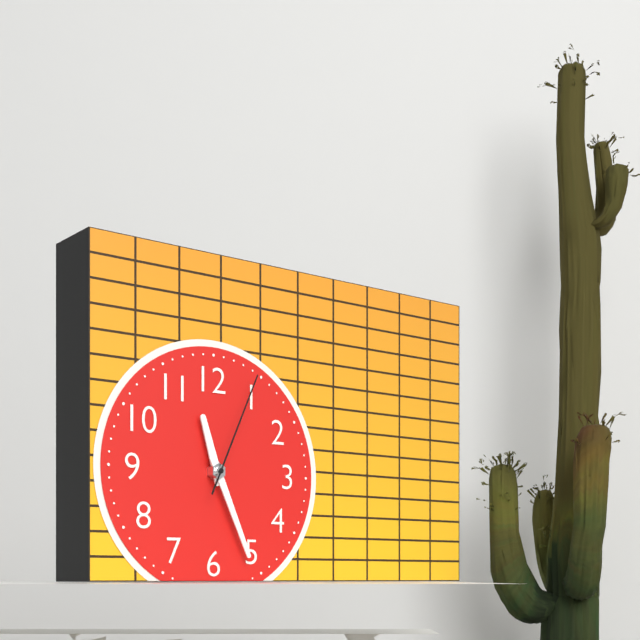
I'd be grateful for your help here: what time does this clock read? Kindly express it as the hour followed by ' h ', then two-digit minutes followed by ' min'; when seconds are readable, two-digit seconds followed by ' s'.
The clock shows 11 h 26 min 04 s
